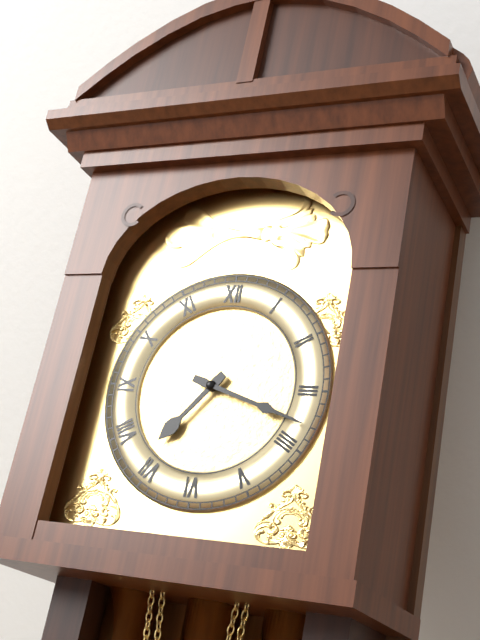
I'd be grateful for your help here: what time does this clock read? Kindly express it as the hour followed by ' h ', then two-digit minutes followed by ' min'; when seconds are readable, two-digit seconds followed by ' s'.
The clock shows 7 h 18 min
